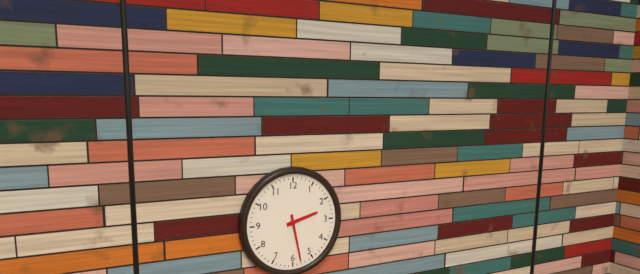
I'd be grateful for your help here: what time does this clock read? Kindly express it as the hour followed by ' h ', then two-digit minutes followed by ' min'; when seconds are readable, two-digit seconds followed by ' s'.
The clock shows 2 h 28 min
